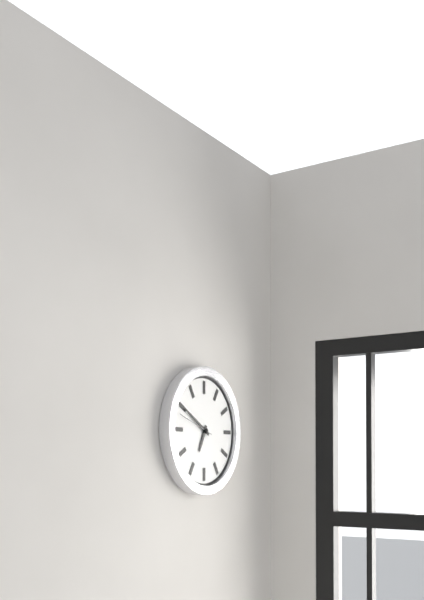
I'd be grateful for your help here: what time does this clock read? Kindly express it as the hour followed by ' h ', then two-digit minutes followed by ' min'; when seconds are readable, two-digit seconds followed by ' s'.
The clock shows 6 h 50 min
